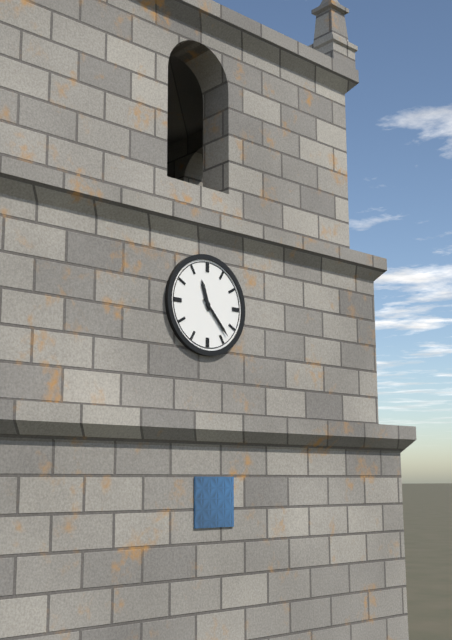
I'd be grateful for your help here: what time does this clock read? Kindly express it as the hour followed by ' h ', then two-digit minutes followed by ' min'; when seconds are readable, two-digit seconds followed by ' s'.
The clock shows 11 h 23 min
